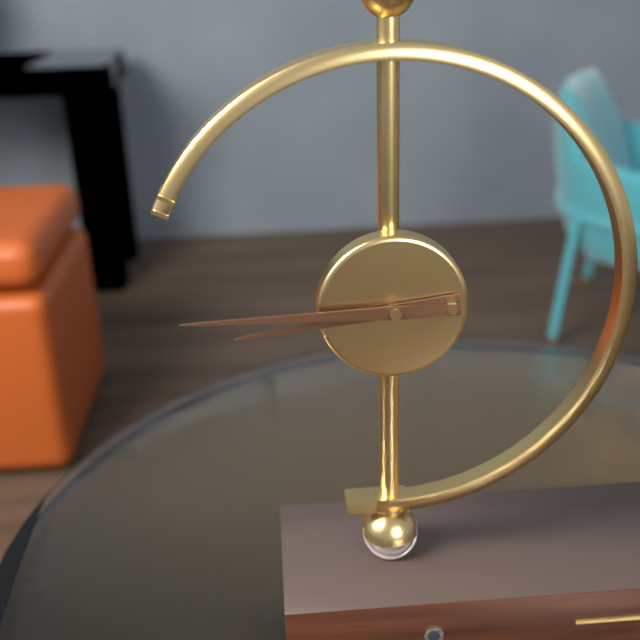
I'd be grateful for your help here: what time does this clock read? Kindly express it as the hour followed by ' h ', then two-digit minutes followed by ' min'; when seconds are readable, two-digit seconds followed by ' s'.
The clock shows 8 h 45 min
